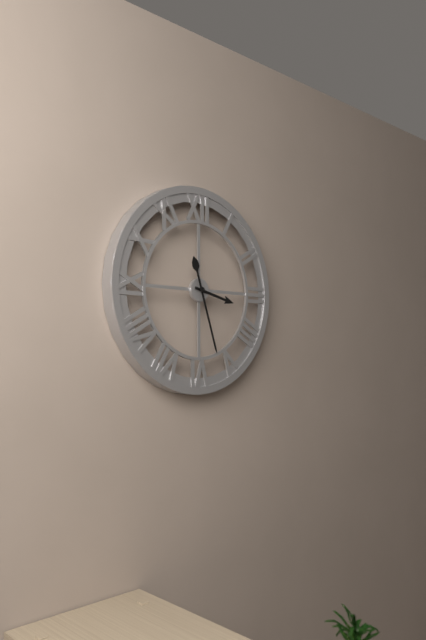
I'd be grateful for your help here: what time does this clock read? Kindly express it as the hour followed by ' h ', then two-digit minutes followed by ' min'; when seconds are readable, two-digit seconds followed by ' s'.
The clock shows 3 h 27 min
